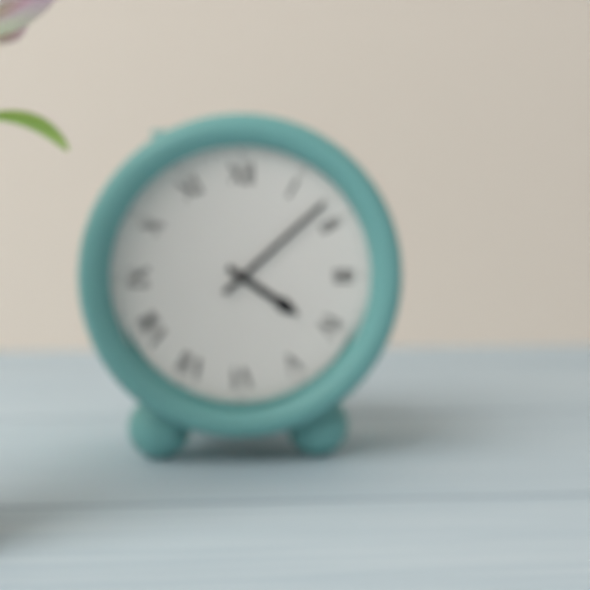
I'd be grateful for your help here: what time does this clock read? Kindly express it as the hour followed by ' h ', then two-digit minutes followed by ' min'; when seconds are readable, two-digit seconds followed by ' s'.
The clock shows 4 h 08 min
